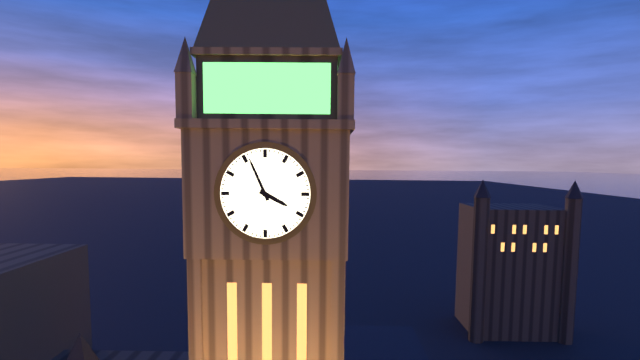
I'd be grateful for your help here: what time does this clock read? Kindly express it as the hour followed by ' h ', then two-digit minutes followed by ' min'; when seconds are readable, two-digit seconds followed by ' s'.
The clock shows 3 h 56 min
